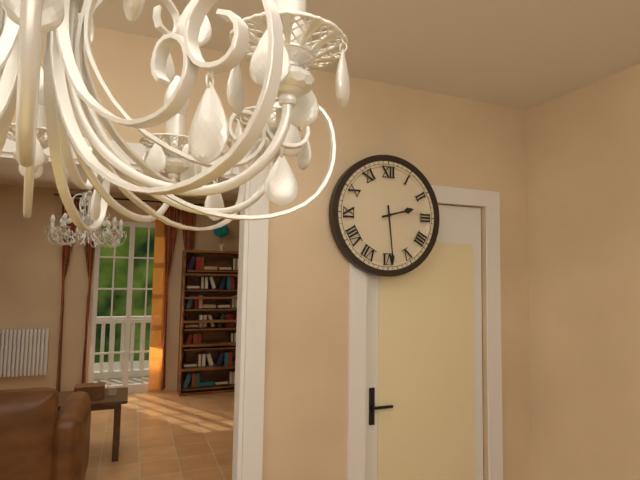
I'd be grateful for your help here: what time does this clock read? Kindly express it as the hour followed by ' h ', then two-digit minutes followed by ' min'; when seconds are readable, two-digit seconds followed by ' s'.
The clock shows 2 h 29 min
